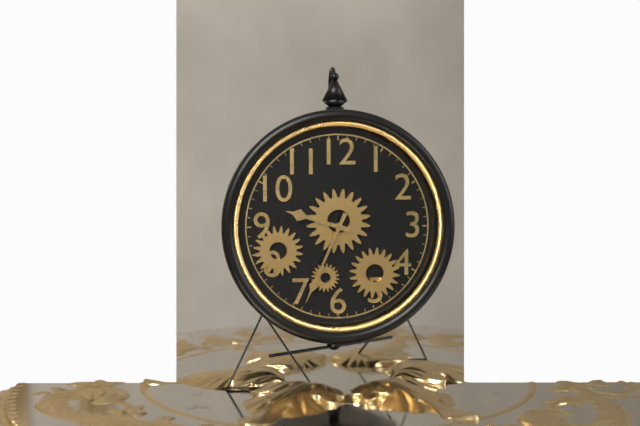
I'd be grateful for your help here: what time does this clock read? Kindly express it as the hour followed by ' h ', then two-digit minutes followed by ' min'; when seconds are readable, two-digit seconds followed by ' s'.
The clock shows 9 h 34 min
